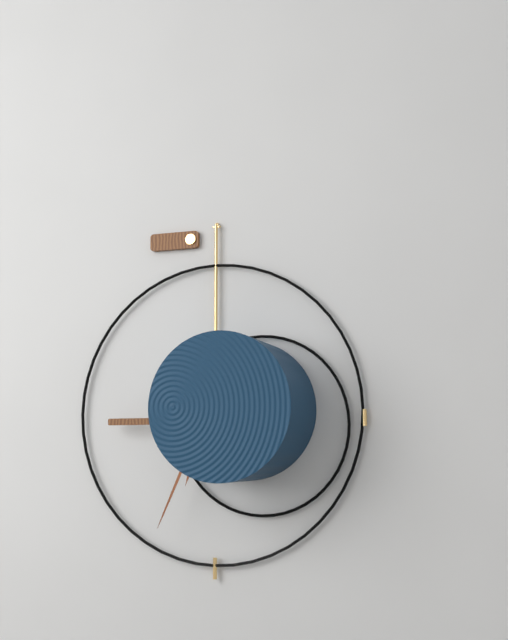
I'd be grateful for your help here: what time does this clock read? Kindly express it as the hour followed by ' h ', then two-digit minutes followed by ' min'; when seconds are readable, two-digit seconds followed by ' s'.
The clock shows 6 h 34 min
